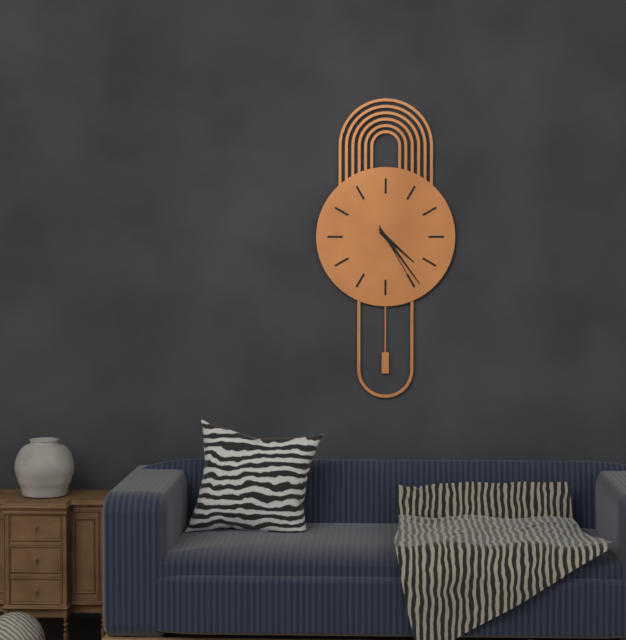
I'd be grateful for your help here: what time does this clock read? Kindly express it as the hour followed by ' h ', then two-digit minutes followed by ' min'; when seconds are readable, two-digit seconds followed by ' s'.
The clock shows 4 h 24 min 25 s
